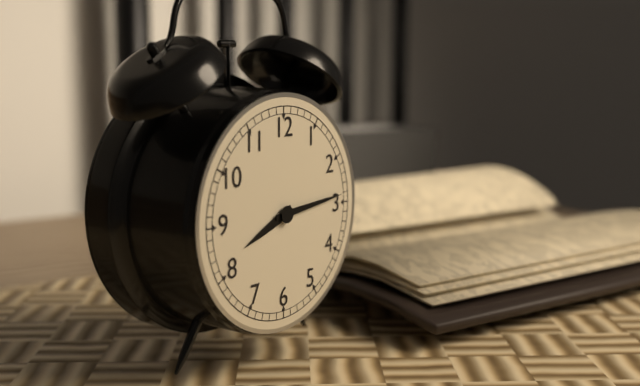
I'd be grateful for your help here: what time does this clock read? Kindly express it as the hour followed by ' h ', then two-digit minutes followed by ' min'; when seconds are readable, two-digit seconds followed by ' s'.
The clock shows 8 h 14 min
